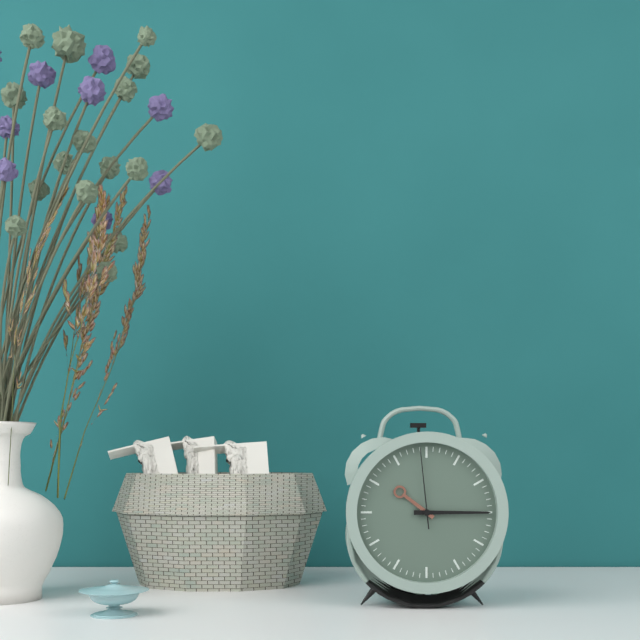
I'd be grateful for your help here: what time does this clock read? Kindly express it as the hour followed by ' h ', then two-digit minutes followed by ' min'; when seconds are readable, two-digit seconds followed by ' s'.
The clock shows 10 h 15 min 59 s
